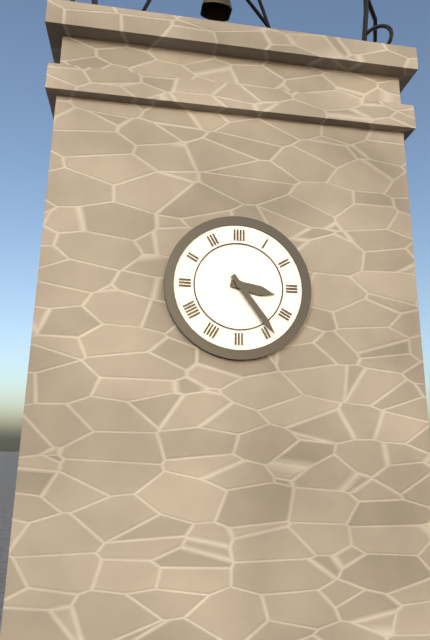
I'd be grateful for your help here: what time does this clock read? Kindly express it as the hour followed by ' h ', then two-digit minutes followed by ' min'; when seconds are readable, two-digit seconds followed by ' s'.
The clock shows 3 h 24 min
